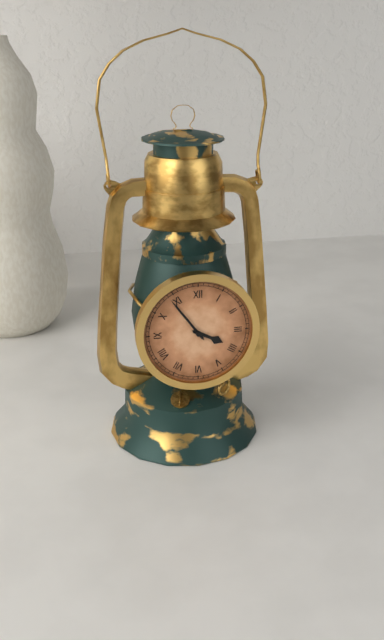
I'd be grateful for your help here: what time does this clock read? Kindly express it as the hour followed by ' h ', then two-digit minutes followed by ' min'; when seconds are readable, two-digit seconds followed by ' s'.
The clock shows 3 h 54 min
